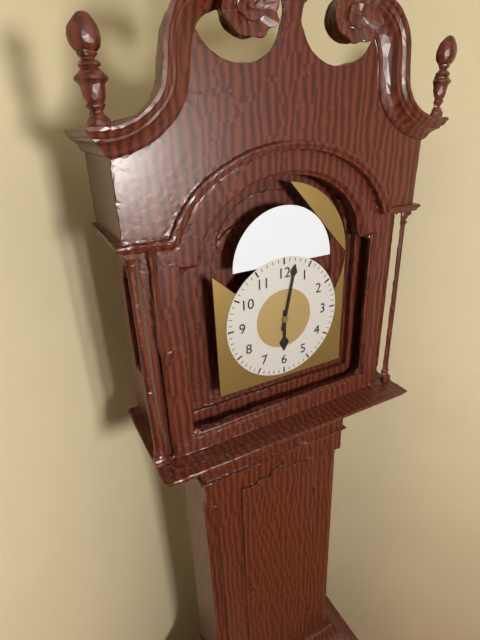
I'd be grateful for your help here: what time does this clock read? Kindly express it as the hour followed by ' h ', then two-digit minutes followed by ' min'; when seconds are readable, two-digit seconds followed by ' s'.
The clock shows 6 h 02 min
